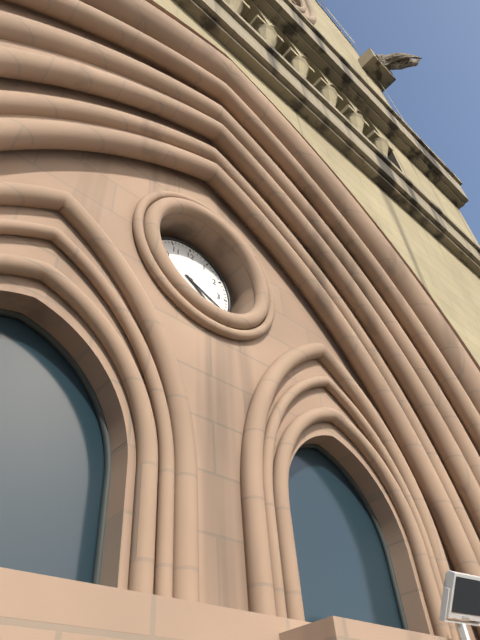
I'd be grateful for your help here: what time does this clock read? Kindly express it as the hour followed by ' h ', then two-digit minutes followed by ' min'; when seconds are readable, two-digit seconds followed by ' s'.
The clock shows 4 h 19 min
